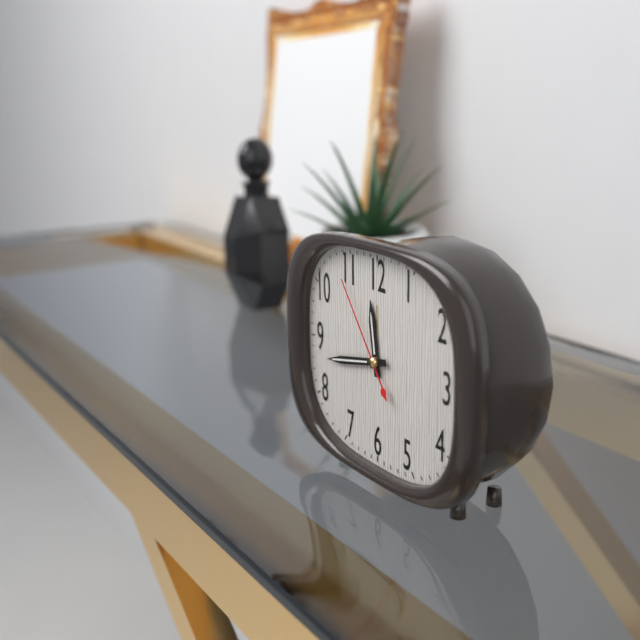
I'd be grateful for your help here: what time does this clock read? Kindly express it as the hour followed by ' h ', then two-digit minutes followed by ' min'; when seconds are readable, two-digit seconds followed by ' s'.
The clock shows 11 h 43 min 54 s
